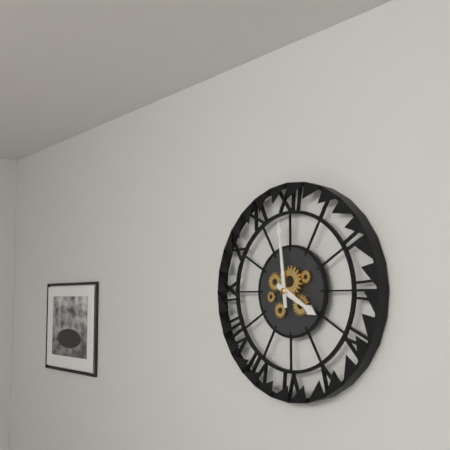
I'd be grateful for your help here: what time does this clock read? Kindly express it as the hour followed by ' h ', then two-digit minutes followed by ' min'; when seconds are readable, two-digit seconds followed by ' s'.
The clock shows 3 h 59 min
